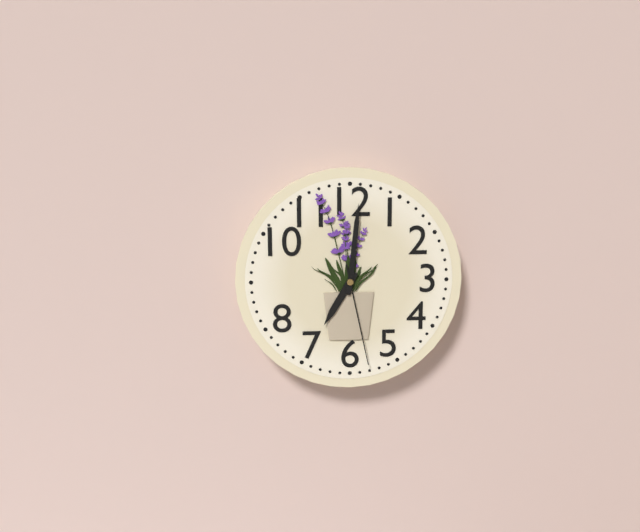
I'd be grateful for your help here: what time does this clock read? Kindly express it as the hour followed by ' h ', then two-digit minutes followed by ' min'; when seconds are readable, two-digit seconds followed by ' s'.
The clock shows 7 h 01 min 28 s
